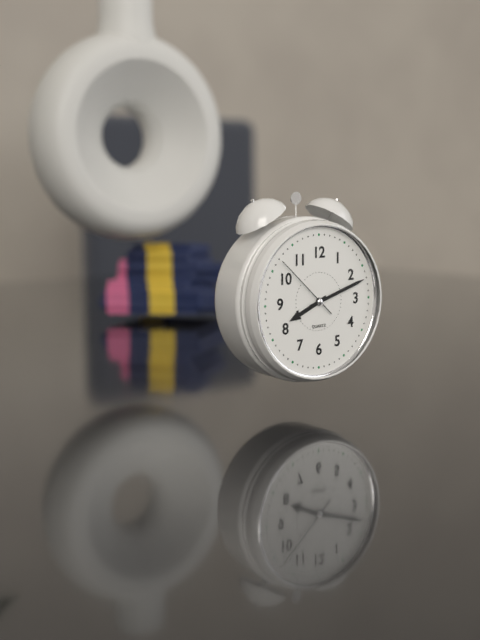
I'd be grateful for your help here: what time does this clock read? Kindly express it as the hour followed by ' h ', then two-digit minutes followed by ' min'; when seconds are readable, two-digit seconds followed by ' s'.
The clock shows 8 h 12 min 52 s
